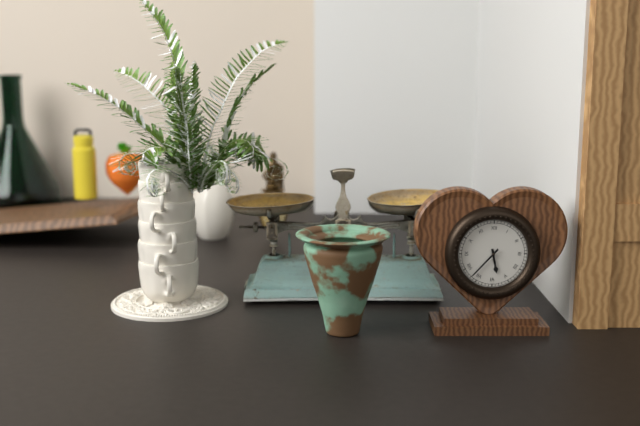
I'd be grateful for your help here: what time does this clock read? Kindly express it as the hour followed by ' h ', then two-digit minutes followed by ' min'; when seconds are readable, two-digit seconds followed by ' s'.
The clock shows 5 h 37 min
